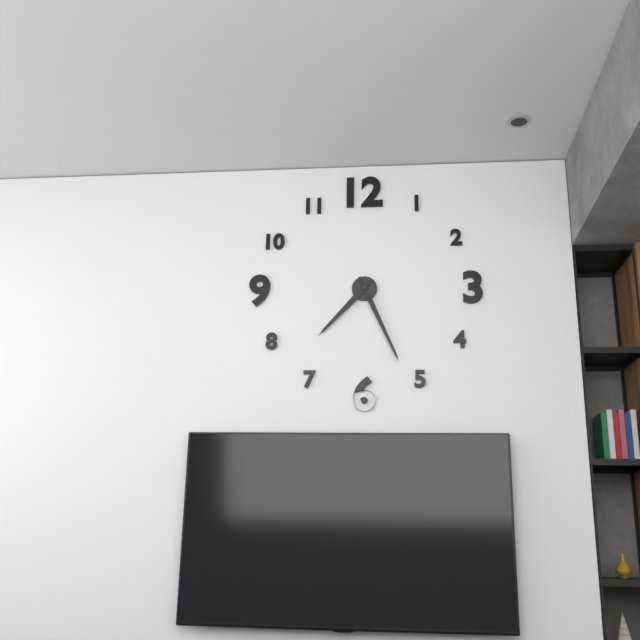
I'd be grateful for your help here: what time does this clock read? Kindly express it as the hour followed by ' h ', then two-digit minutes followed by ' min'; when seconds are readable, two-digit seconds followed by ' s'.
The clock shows 7 h 26 min
